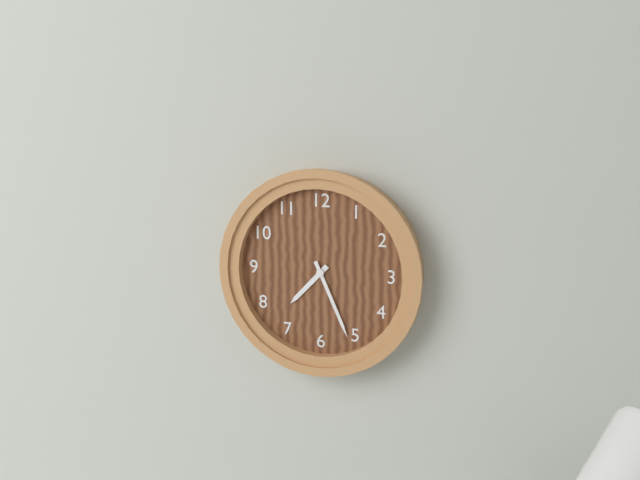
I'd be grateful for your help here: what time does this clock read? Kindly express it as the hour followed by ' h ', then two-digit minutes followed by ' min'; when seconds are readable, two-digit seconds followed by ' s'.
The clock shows 7 h 26 min
